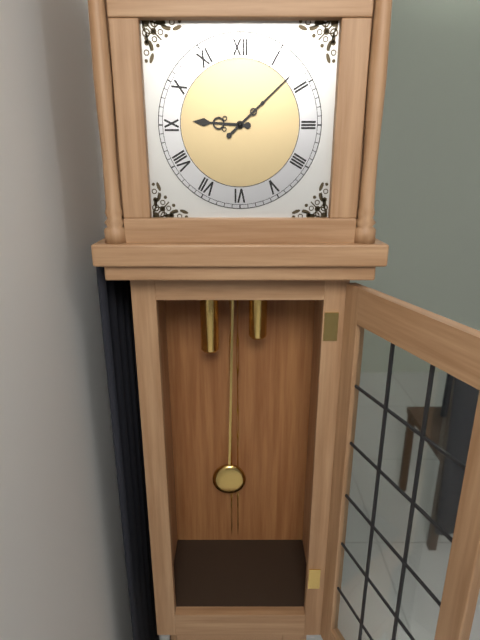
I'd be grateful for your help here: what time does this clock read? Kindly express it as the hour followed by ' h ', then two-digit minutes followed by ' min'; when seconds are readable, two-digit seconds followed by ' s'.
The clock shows 9 h 08 min
